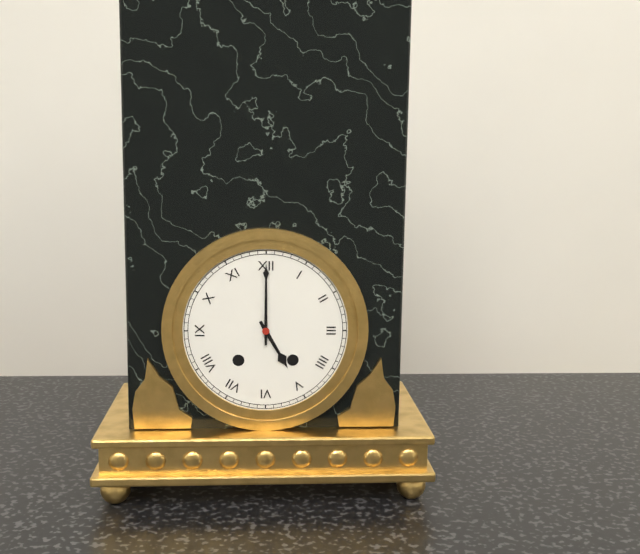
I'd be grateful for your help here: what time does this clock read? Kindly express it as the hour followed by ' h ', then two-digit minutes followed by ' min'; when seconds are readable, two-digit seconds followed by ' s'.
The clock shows 5 h 00 min
